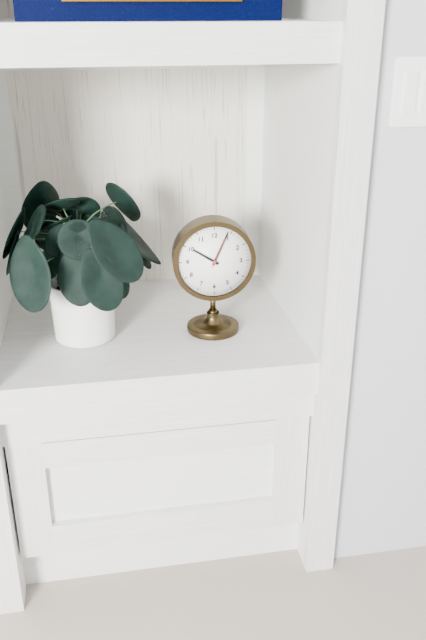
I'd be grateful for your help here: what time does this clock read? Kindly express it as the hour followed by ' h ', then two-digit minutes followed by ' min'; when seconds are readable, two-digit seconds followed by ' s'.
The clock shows 10 h 04 min
